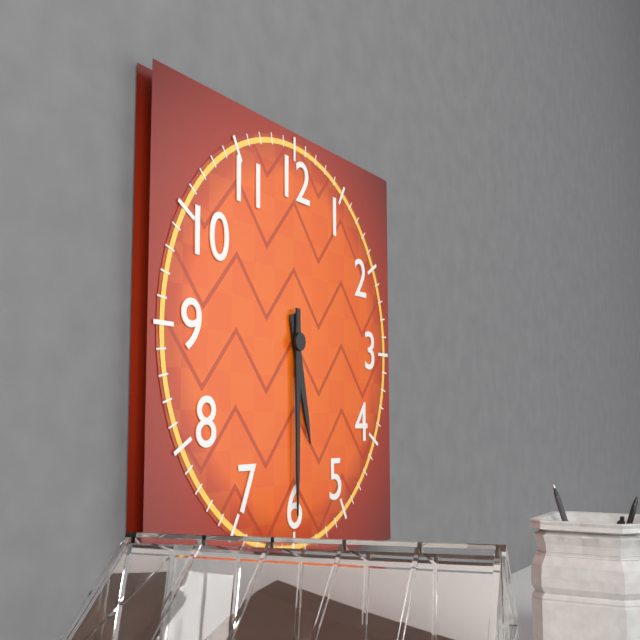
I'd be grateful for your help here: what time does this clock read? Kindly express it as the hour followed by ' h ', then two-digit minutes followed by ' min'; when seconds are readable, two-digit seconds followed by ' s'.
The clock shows 5 h 30 min
